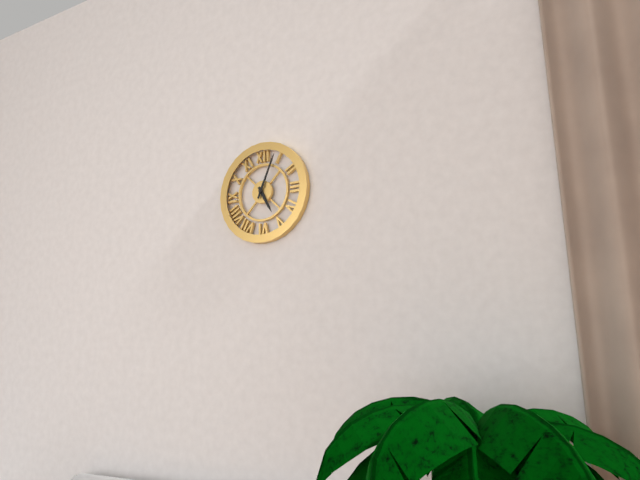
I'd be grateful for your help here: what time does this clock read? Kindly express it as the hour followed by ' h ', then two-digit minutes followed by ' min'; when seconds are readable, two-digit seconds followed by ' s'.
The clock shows 5 h 04 min
